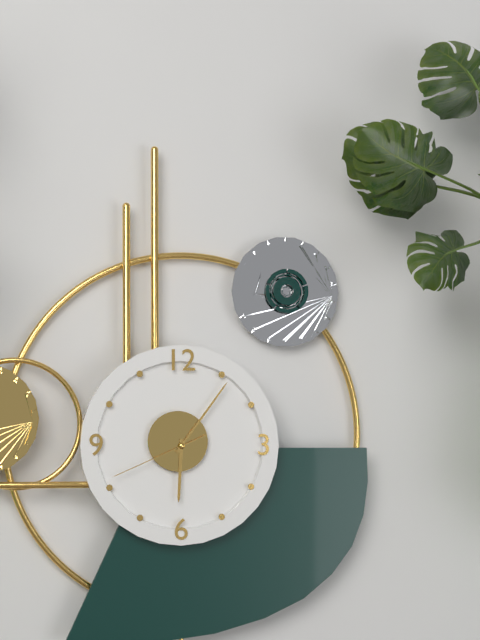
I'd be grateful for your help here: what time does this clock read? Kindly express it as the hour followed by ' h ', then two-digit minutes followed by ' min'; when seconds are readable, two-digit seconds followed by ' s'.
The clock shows 6 h 06 min 41 s
